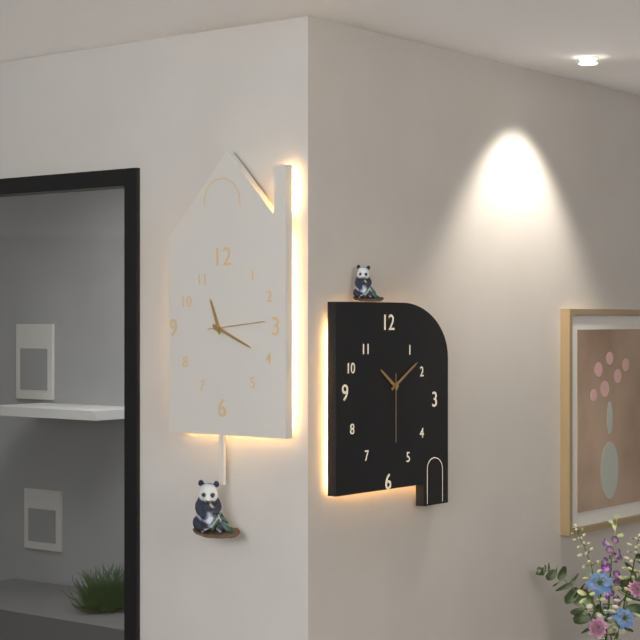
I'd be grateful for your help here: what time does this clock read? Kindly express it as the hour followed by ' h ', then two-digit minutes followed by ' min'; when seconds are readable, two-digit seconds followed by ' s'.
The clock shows 11 h 19 min 14 s
